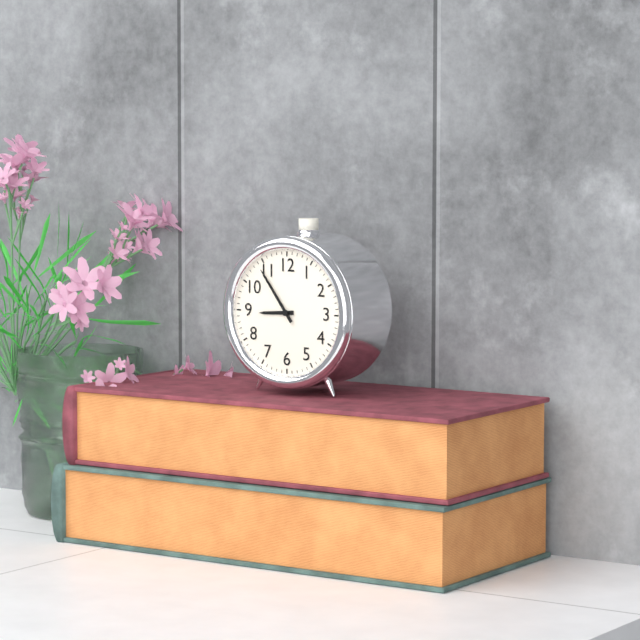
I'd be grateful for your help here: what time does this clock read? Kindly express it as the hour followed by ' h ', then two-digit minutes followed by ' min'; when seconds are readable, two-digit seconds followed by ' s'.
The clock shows 8 h 54 min
